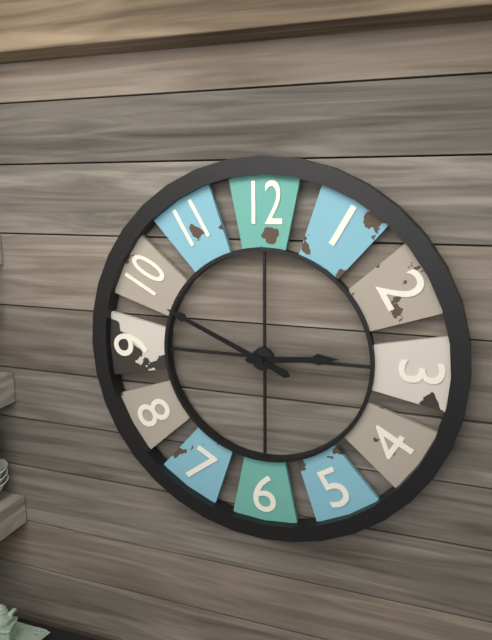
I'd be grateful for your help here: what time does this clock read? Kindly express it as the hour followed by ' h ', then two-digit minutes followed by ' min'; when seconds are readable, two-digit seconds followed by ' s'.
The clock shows 2 h 49 min
